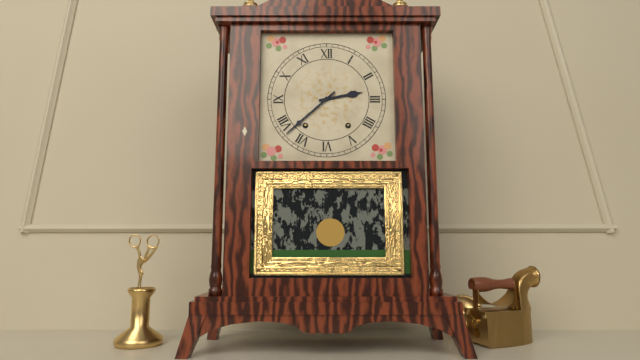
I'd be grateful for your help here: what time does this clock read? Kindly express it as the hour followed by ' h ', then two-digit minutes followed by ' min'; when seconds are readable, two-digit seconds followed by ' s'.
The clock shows 2 h 38 min
